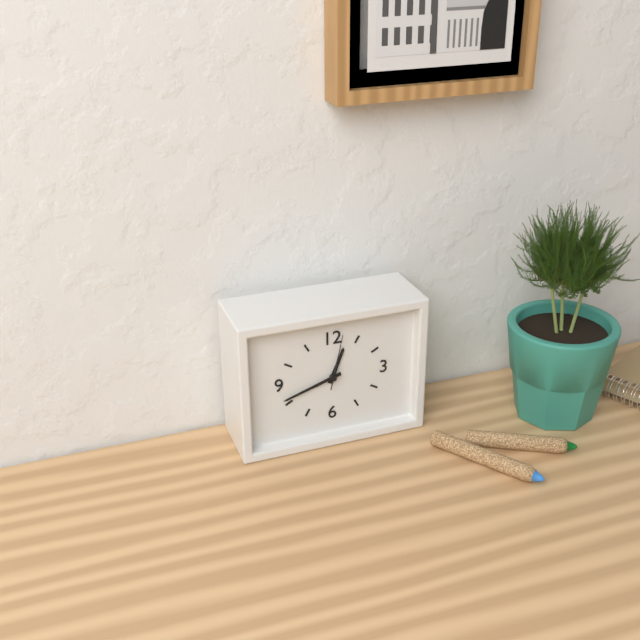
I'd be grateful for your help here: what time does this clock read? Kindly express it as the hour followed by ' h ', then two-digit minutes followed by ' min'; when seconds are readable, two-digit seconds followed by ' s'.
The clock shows 12 h 42 min 02 s
